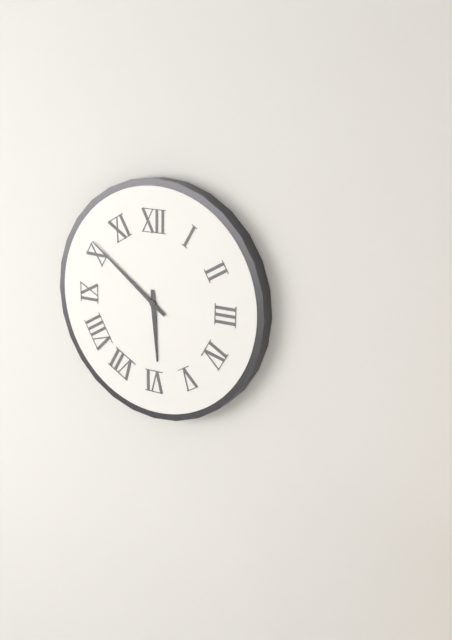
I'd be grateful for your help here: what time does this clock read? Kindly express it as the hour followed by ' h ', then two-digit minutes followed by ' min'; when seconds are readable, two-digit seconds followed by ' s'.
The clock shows 5 h 51 min
